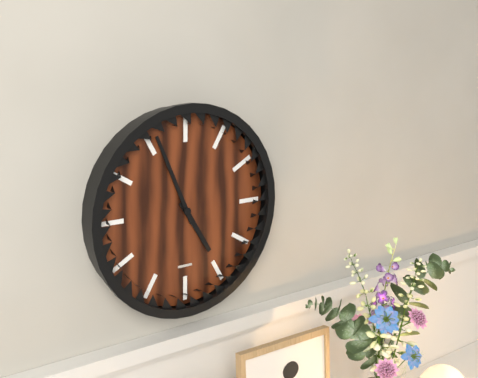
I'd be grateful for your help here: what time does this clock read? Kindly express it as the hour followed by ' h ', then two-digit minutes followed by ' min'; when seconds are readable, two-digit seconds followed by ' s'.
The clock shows 4 h 56 min
